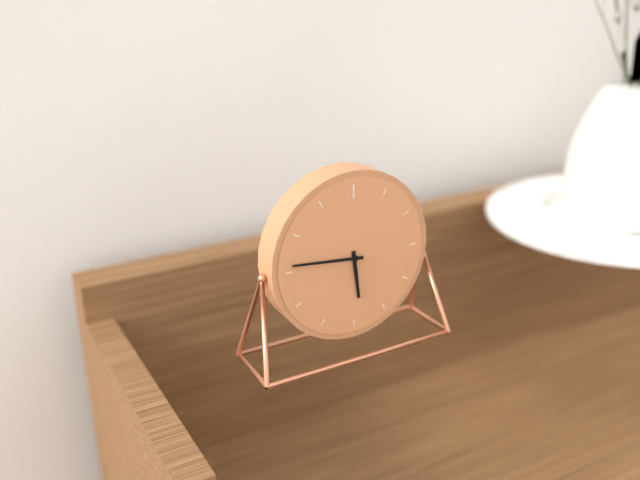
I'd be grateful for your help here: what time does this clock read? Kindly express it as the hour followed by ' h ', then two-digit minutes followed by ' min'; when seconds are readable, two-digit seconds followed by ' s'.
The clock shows 5 h 46 min
